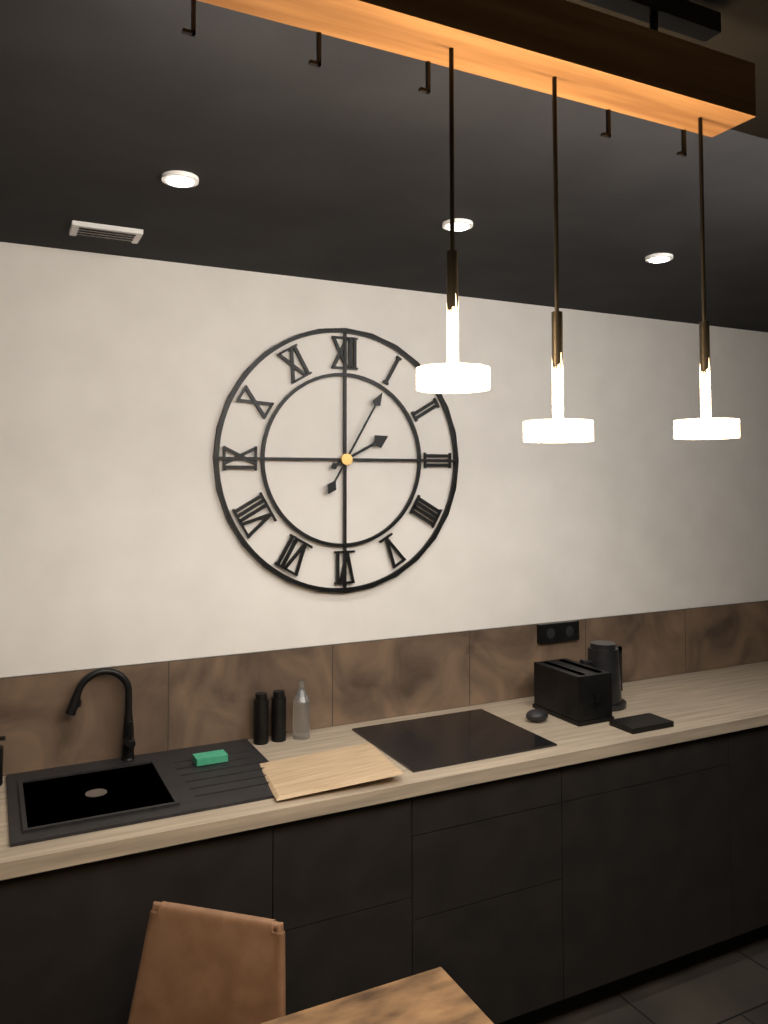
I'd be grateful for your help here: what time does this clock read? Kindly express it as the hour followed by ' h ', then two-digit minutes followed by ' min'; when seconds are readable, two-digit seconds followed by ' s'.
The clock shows 2 h 05 min
